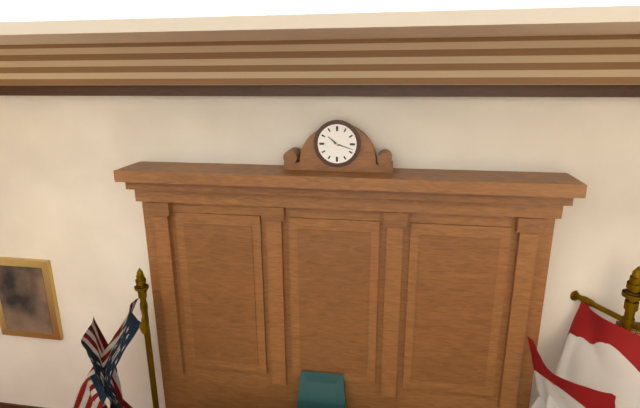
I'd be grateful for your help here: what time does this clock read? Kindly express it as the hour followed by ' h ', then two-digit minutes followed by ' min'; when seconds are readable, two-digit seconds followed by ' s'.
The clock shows 10 h 18 min
